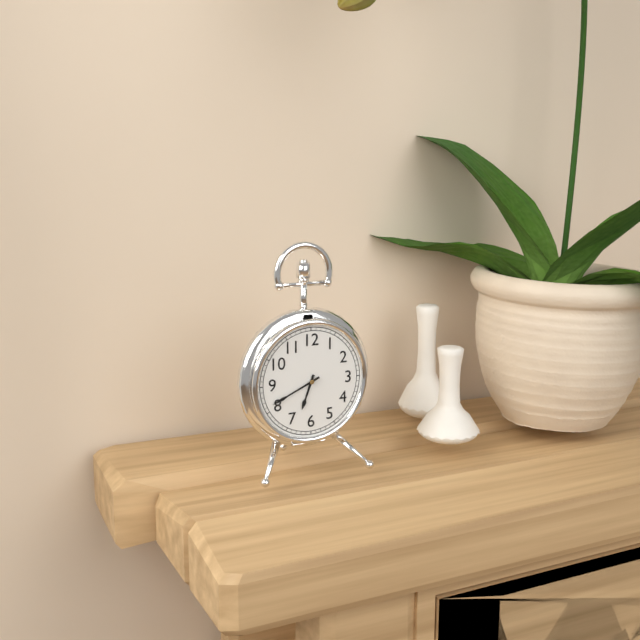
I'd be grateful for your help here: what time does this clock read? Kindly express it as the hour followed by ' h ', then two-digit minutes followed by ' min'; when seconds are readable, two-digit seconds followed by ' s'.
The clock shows 6 h 41 min
